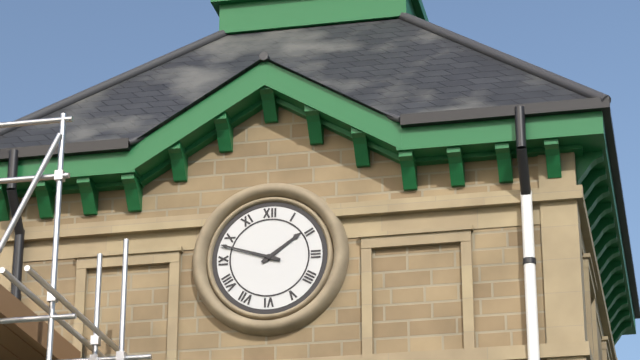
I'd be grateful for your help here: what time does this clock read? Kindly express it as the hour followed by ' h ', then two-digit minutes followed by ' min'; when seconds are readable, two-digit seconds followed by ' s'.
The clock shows 1 h 48 min
